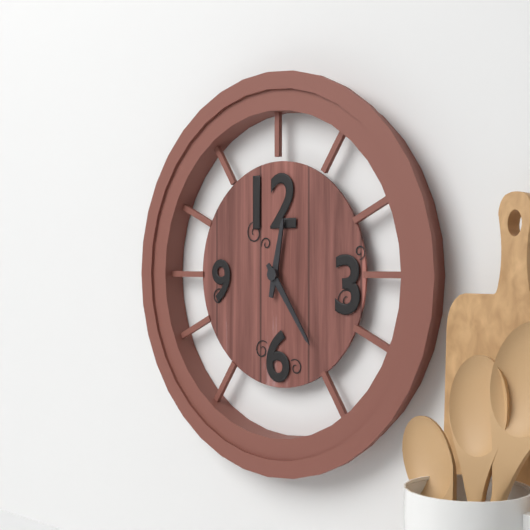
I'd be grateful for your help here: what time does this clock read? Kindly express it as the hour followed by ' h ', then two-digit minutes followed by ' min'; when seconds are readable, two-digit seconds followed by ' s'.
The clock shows 12 h 24 min
